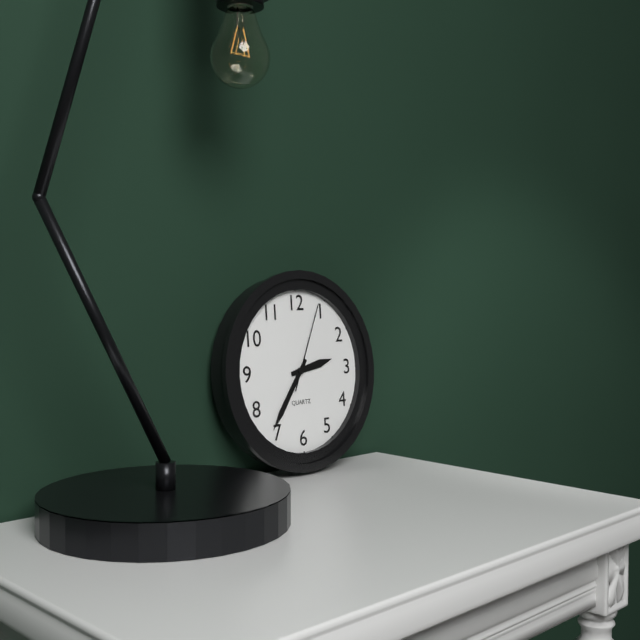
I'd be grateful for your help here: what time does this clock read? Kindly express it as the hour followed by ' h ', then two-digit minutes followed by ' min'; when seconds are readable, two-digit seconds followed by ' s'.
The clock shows 2 h 36 min 04 s
